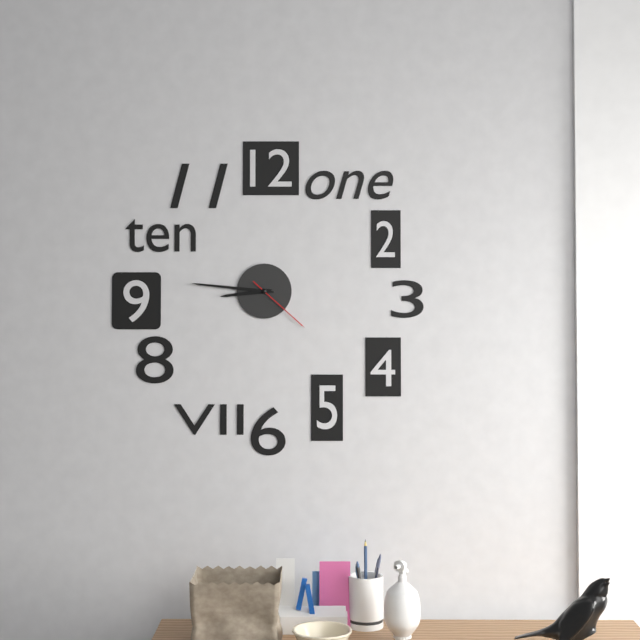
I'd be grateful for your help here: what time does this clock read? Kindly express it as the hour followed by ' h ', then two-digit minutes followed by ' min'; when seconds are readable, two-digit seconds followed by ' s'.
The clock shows 8 h 46 min 22 s
